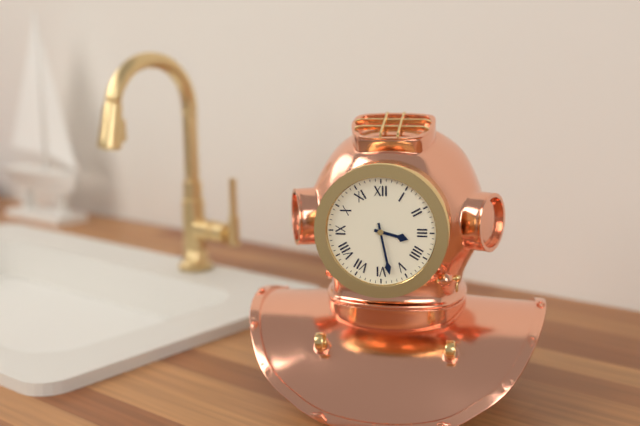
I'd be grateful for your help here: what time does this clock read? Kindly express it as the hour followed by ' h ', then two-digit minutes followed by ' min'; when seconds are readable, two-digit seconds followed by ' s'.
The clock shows 3 h 28 min
